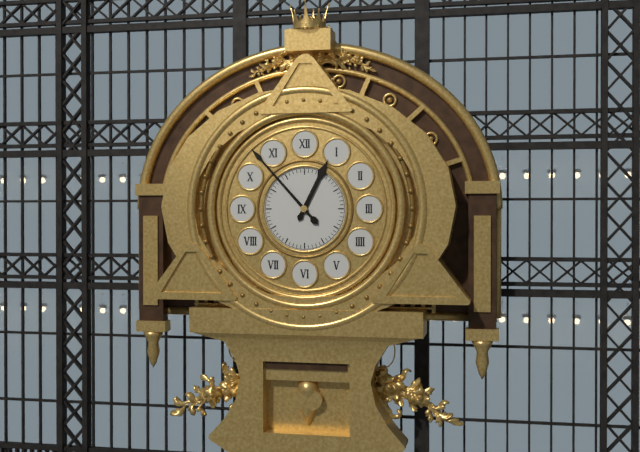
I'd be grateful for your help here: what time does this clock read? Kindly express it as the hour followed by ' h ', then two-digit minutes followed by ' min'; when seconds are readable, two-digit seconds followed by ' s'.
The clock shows 12 h 53 min
